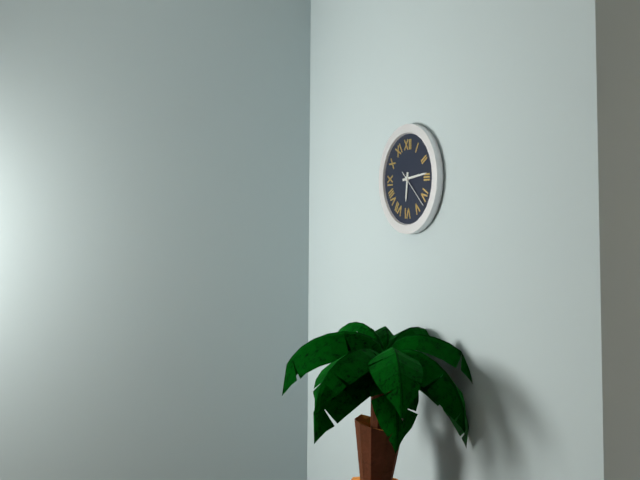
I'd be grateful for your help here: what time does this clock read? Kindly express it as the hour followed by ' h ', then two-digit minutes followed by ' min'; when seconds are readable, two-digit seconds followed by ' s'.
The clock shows 6 h 14 min
